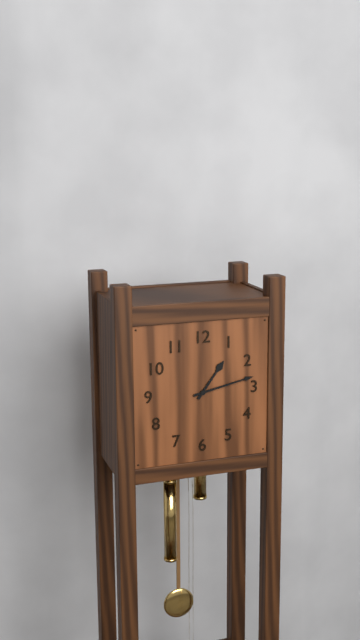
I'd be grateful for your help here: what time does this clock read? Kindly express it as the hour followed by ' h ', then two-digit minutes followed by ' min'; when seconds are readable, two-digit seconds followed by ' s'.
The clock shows 1 h 13 min
